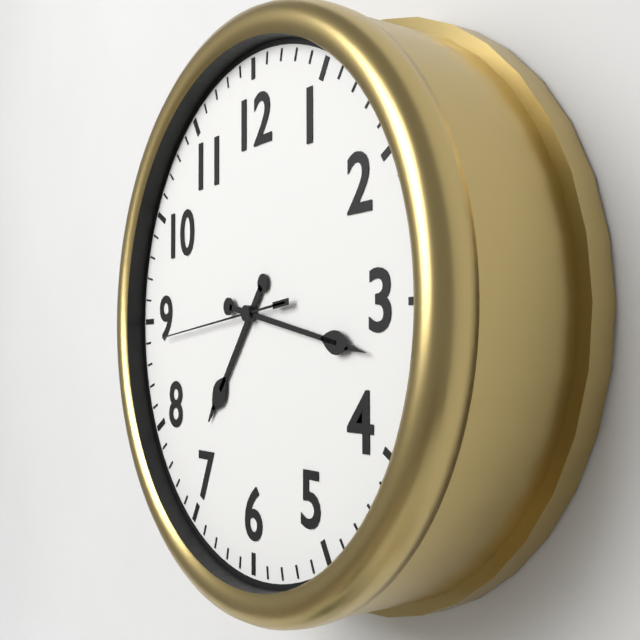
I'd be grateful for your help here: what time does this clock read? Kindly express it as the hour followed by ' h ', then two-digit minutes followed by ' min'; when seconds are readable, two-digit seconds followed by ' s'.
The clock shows 7 h 17 min 44 s
